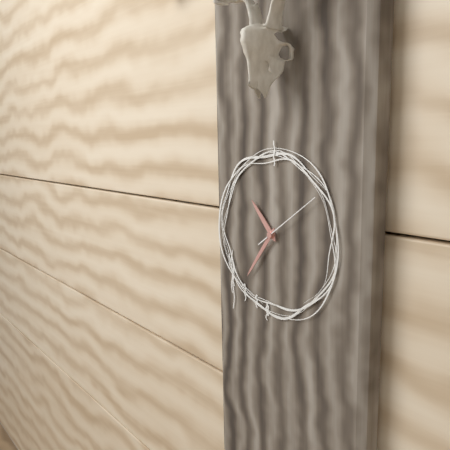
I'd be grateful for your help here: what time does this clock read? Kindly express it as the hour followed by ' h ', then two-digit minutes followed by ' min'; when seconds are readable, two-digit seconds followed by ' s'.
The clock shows 10 h 36 min 09 s
